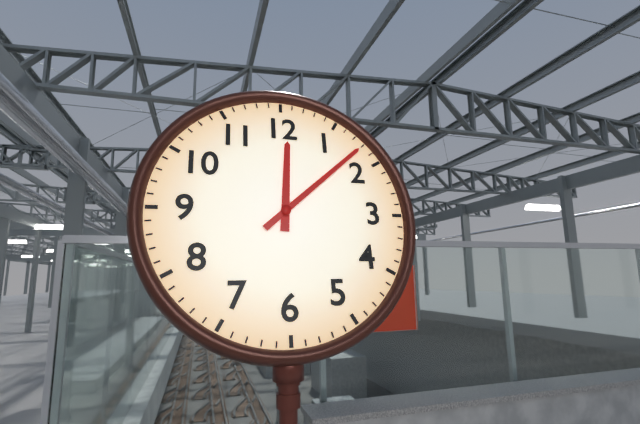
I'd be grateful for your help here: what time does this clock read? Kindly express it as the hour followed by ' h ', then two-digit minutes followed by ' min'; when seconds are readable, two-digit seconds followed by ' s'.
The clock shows 12 h 08 min
